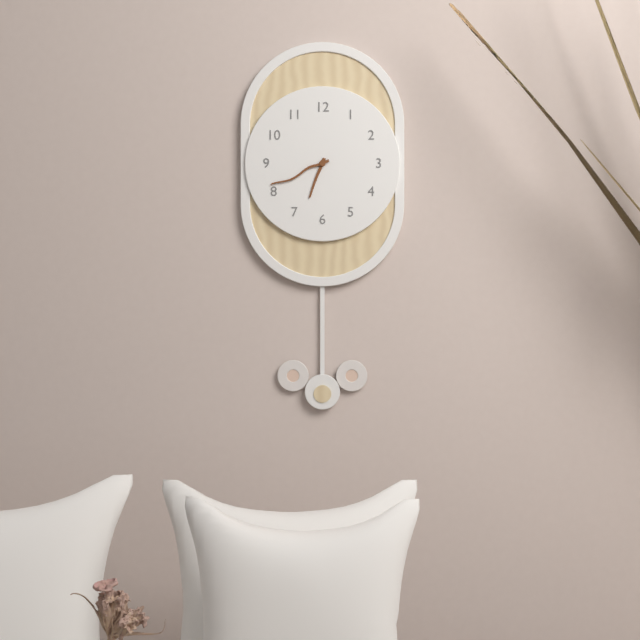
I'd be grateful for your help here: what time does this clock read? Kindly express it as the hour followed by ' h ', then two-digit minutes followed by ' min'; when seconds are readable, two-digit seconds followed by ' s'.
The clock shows 6 h 41 min
